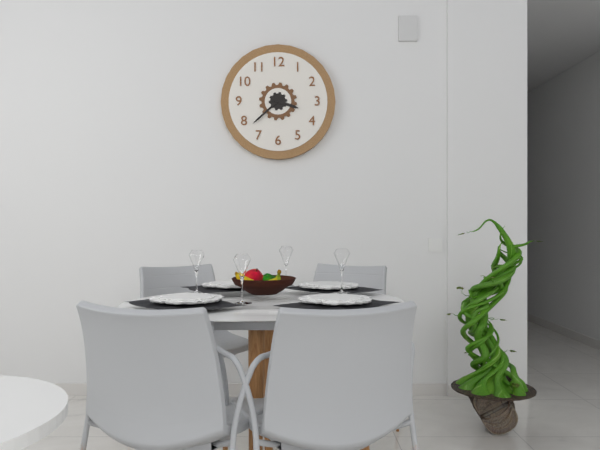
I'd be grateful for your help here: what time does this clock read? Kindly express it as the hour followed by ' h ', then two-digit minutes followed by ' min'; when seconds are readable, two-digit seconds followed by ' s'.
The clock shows 3 h 38 min
